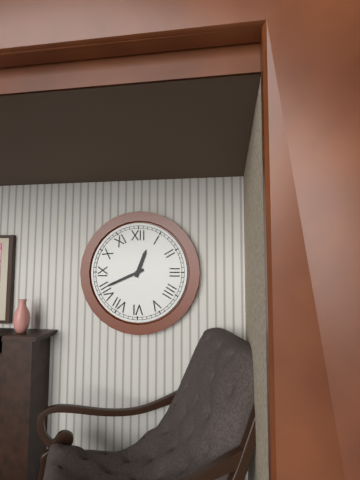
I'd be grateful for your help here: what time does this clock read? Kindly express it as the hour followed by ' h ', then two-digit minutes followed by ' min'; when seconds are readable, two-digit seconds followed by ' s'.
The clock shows 12 h 41 min
